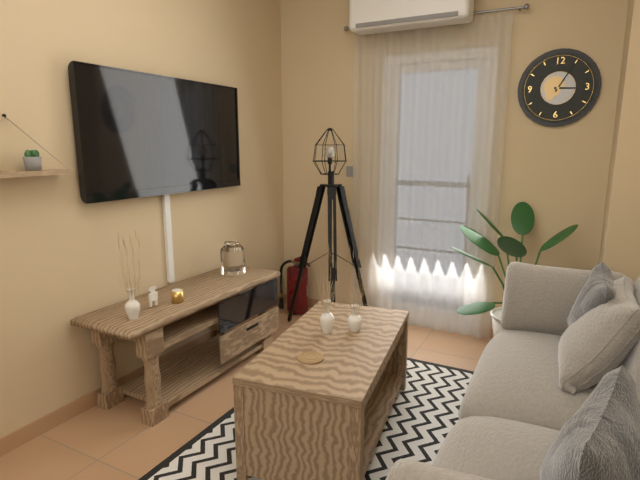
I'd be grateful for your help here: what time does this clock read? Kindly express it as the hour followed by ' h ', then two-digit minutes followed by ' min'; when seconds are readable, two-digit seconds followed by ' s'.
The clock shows 3 h 05 min
